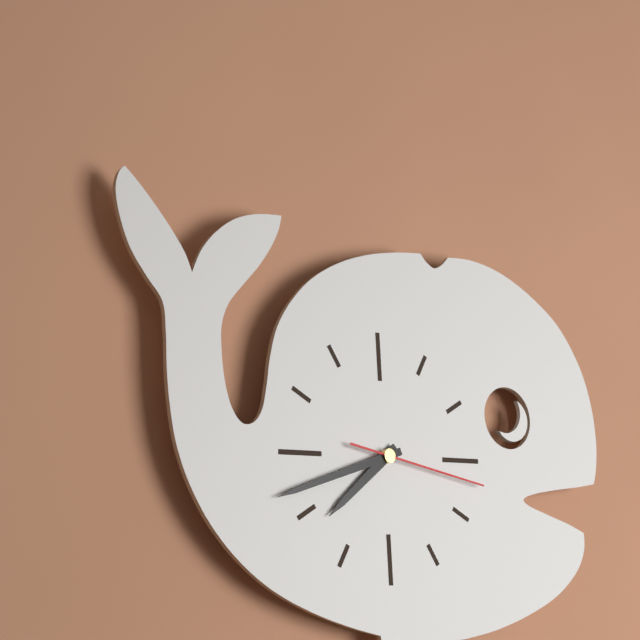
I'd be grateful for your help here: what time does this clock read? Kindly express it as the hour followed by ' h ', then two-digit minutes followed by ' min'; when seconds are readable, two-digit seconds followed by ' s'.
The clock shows 7 h 42 min 17 s
